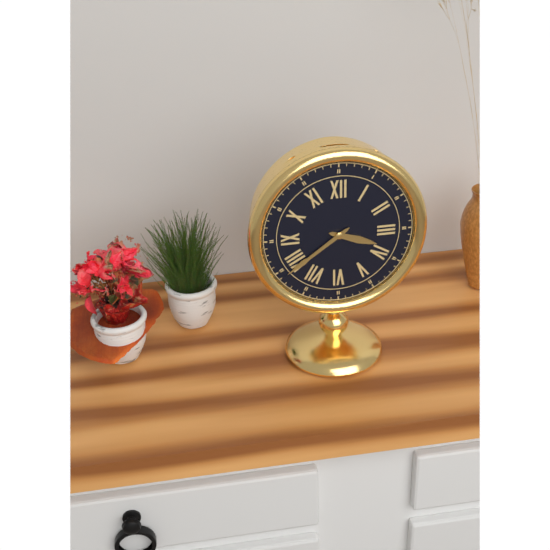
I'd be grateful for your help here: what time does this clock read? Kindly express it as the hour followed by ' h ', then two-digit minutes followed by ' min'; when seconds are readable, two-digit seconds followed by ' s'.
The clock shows 3 h 39 min
